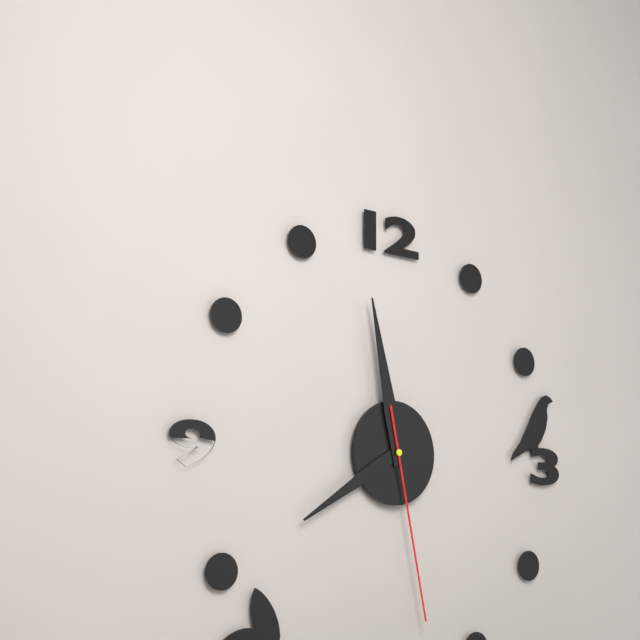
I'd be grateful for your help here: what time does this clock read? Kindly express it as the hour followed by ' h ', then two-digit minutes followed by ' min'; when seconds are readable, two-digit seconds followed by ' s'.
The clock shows 7 h 58 min 28 s
